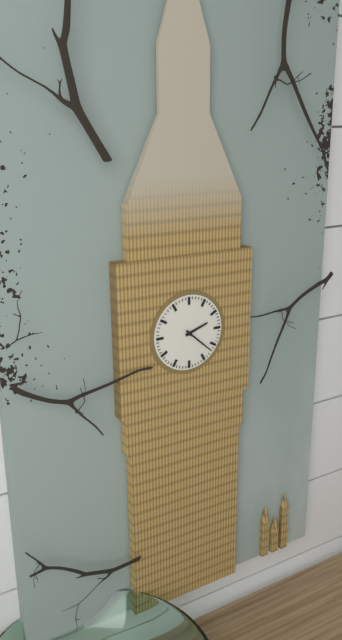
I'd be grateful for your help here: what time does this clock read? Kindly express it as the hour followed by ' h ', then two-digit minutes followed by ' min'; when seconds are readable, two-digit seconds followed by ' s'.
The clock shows 2 h 22 min
